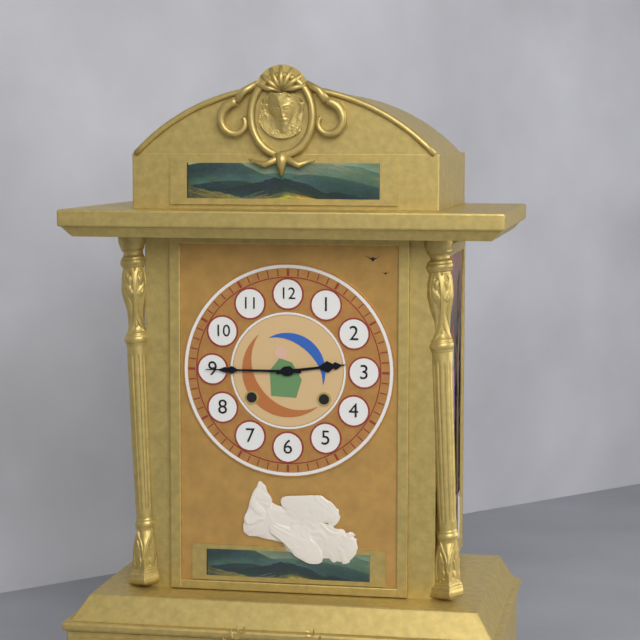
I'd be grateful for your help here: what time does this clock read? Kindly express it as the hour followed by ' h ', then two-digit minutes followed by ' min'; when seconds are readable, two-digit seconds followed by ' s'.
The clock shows 2 h 45 min
